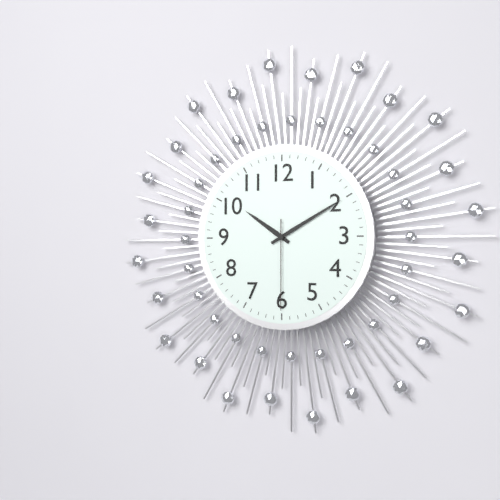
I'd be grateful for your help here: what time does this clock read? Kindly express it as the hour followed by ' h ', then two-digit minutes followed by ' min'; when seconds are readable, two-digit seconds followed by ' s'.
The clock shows 10 h 10 min 30 s
